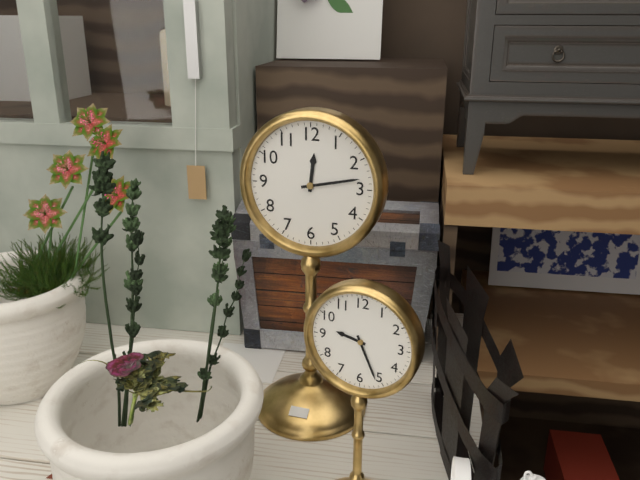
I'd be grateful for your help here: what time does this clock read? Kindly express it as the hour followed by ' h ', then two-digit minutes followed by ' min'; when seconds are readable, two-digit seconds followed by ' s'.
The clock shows 12 h 13 min
